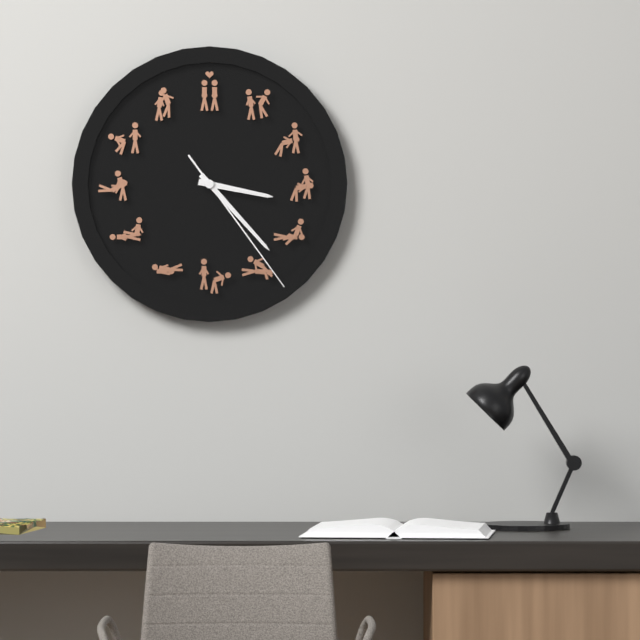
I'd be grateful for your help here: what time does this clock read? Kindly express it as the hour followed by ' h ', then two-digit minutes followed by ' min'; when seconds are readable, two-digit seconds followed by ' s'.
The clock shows 3 h 23 min 24 s
